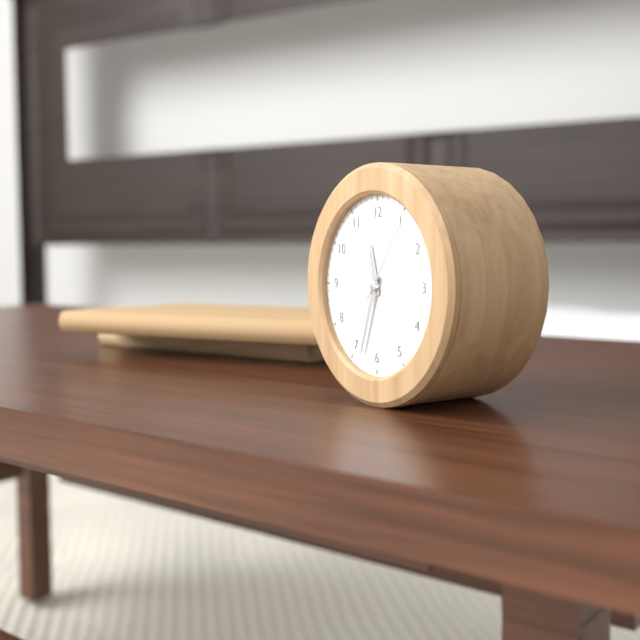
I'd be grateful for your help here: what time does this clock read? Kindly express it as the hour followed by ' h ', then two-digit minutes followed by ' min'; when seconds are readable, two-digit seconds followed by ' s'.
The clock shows 11 h 33 min 06 s
